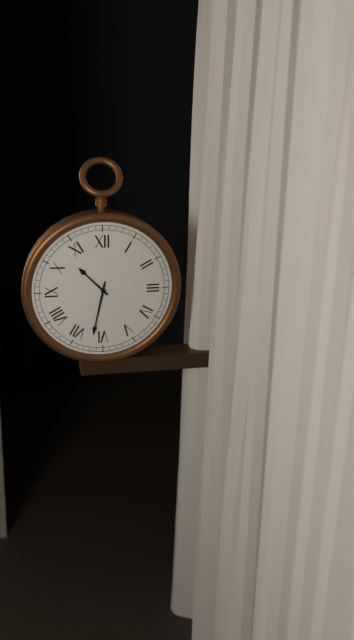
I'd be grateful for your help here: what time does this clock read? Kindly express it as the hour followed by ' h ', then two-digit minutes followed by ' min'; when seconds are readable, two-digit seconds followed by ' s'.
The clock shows 10 h 32 min
